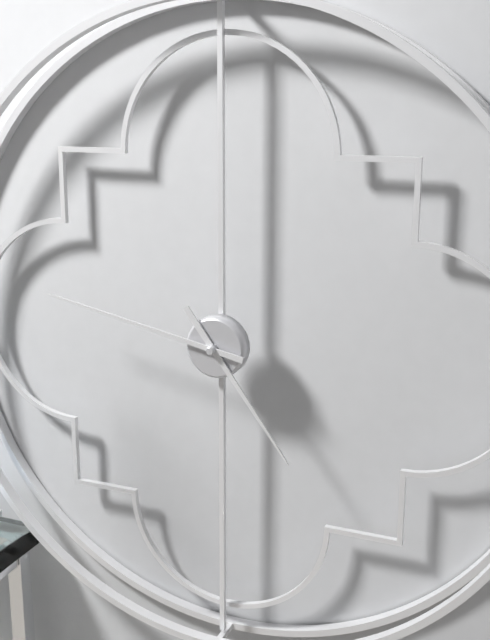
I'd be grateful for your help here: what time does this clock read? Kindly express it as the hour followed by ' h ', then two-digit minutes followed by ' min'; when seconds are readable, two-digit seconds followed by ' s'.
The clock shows 4 h 47 min
